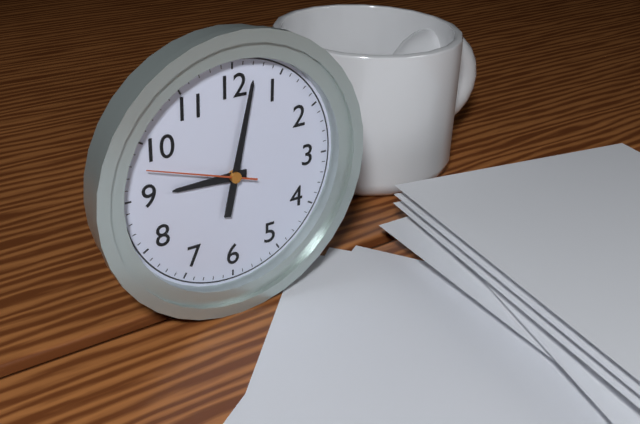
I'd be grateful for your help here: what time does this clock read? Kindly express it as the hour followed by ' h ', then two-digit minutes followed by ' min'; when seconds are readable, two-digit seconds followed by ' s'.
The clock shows 9 h 02 min 48 s
